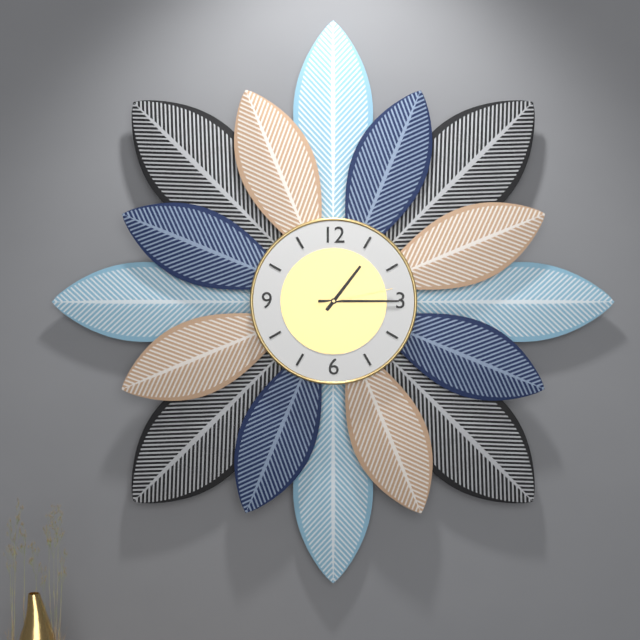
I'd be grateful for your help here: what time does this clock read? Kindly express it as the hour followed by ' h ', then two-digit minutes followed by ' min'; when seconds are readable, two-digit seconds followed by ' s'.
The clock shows 1 h 15 min 13 s
